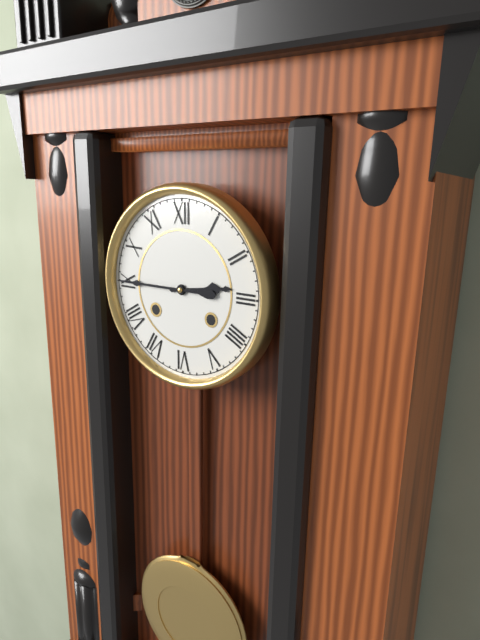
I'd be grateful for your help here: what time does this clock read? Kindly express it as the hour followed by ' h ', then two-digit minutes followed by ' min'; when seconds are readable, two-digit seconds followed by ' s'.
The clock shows 2 h 45 min
